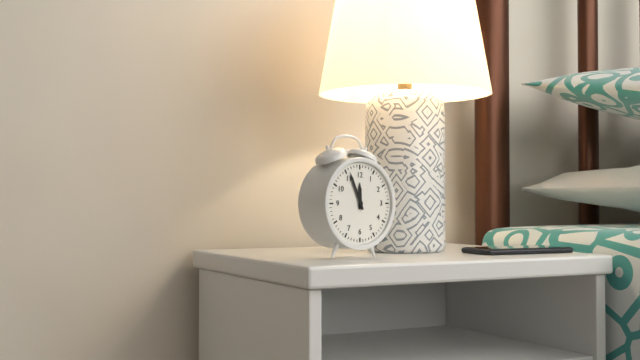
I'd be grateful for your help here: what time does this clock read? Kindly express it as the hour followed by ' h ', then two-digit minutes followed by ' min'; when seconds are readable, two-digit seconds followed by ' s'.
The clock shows 11 h 56 min
